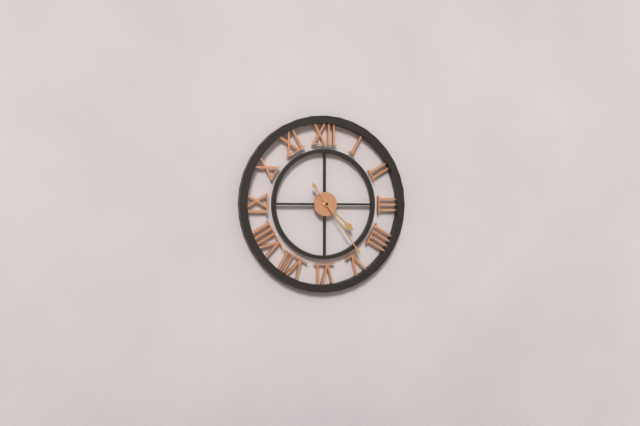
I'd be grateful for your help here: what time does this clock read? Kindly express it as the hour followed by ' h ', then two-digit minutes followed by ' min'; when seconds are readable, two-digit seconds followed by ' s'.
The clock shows 4 h 24 min
